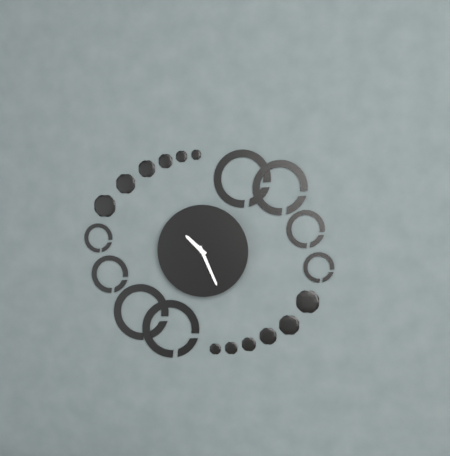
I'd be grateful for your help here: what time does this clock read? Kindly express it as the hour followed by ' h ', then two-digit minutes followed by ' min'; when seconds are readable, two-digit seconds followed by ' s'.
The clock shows 10 h 26 min
